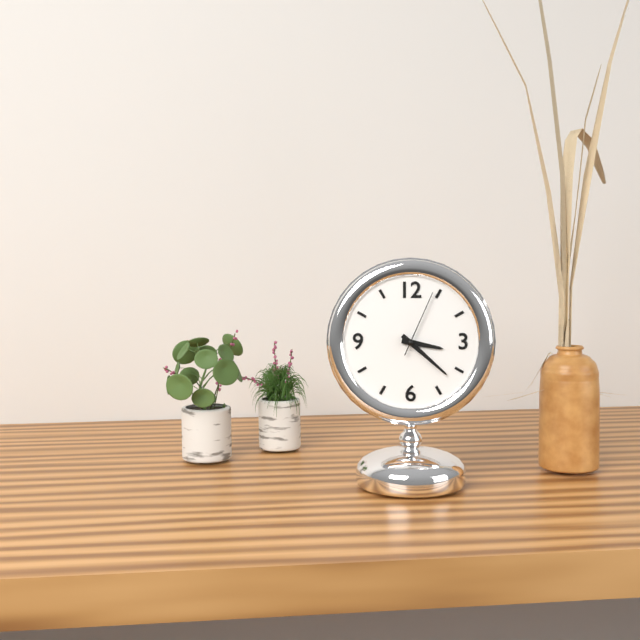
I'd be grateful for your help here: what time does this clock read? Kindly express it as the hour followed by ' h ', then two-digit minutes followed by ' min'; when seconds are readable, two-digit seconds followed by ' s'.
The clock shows 3 h 22 min 04 s
